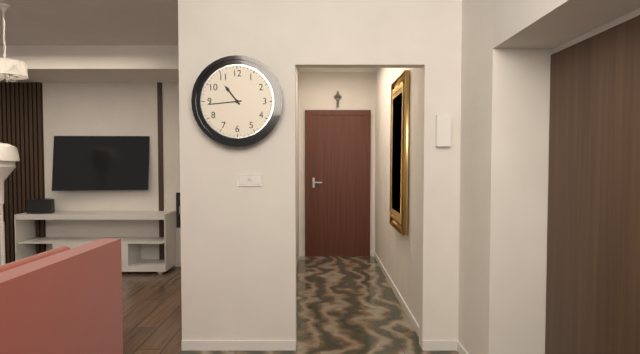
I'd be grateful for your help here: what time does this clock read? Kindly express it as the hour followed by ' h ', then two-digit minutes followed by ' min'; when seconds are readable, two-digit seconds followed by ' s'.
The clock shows 10 h 44 min
